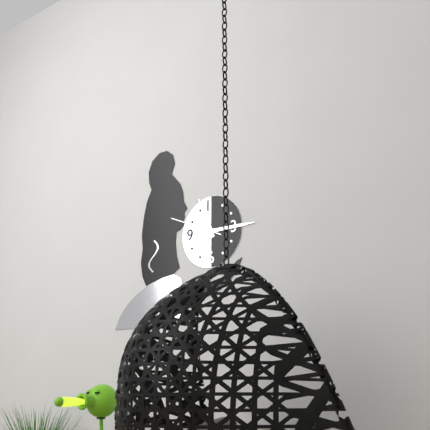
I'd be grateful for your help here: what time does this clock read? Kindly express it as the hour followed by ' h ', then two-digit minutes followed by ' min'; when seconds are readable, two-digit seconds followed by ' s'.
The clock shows 11 h 15 min 49 s
